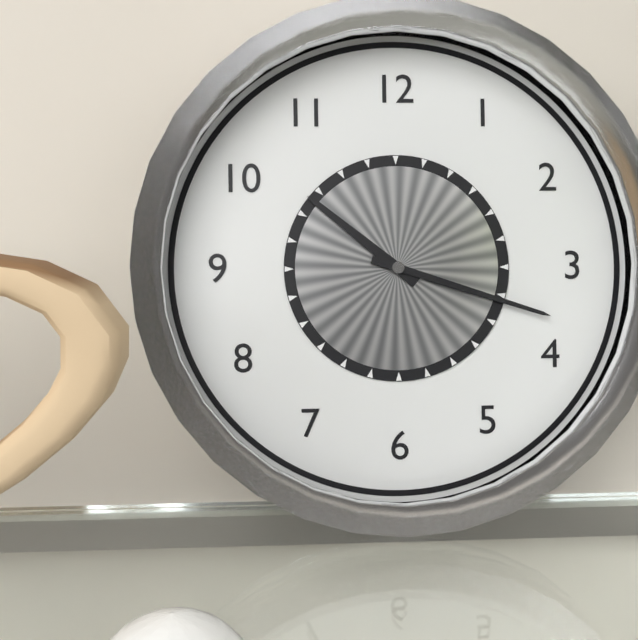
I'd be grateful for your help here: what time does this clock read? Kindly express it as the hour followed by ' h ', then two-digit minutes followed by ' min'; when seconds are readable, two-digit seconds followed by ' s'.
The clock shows 10 h 18 min
